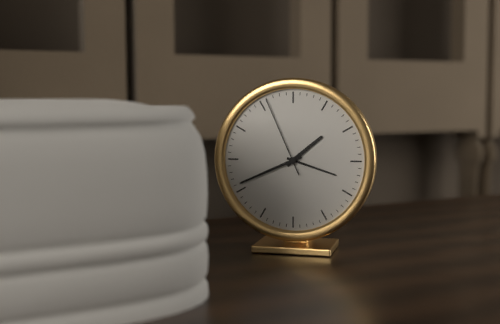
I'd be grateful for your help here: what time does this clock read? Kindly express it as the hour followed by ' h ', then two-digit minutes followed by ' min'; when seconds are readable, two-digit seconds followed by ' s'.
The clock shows 1 h 41 min 56 s
